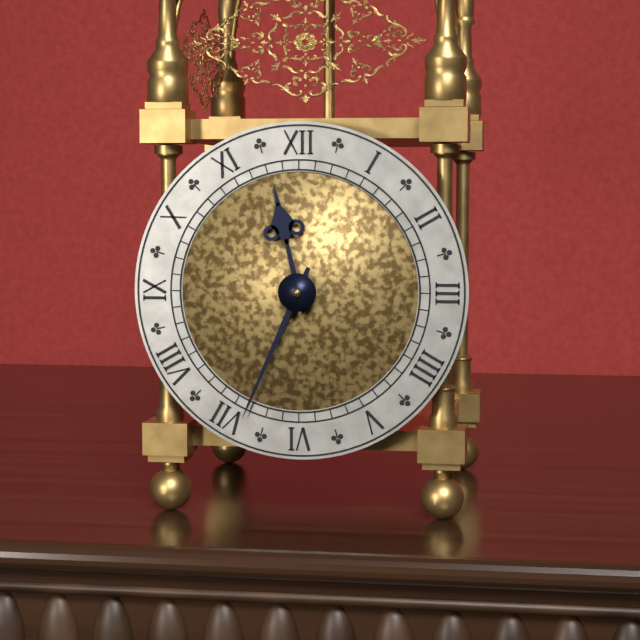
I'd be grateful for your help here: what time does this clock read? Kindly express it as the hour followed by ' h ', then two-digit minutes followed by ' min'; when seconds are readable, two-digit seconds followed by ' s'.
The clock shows 11 h 34 min
